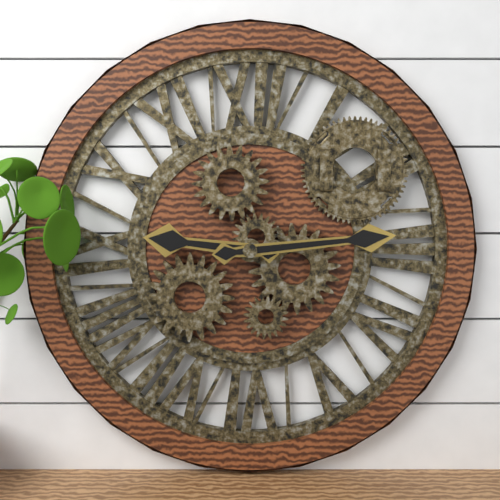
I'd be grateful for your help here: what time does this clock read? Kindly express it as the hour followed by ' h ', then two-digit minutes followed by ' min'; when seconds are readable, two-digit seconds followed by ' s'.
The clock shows 9 h 14 min
